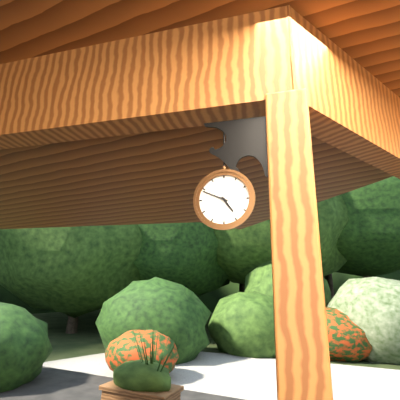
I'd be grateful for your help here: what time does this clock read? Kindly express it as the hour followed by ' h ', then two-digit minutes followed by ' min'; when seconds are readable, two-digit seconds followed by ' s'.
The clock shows 4 h 49 min
